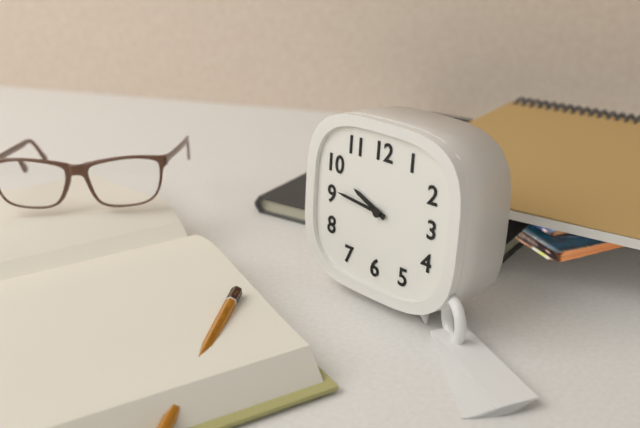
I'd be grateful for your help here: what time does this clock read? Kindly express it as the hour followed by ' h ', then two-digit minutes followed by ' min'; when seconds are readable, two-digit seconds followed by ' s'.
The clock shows 9 h 46 min
